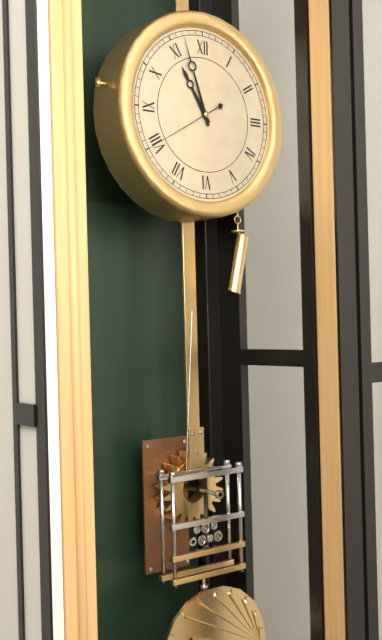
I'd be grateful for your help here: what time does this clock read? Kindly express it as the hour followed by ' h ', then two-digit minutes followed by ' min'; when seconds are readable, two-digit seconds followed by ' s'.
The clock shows 10 h 57 min 40 s
